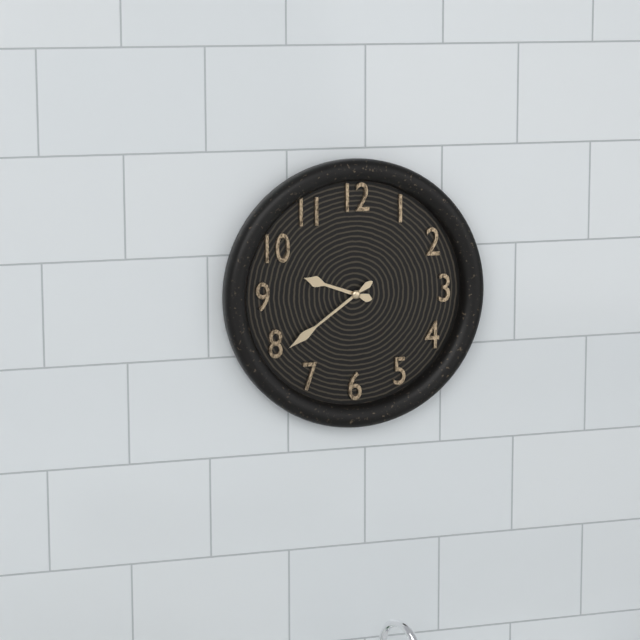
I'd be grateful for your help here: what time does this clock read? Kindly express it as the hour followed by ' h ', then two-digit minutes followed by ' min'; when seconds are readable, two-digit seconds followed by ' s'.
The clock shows 9 h 39 min
